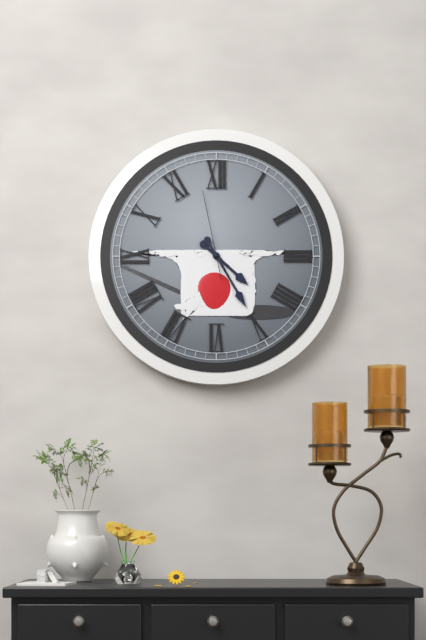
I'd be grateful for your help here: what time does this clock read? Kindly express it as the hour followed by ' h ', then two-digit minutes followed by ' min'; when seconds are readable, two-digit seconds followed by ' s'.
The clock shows 4 h 25 min 58 s
